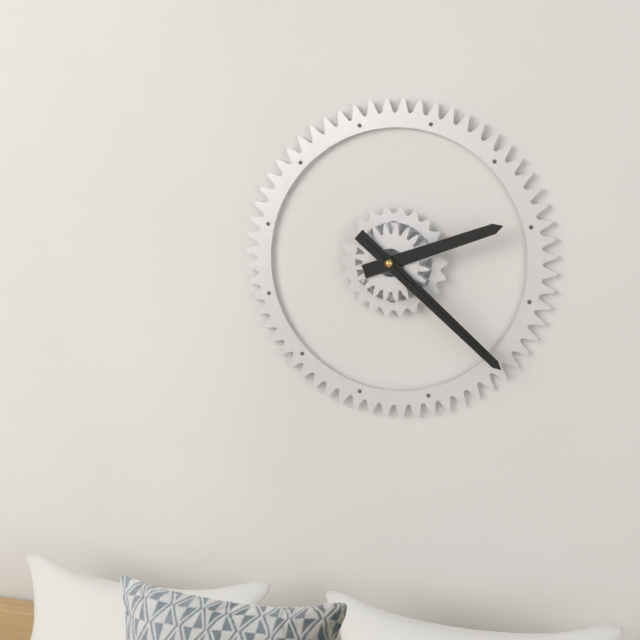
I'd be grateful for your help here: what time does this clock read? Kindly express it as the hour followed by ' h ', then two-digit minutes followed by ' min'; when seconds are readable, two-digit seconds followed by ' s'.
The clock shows 2 h 22 min 22 s
